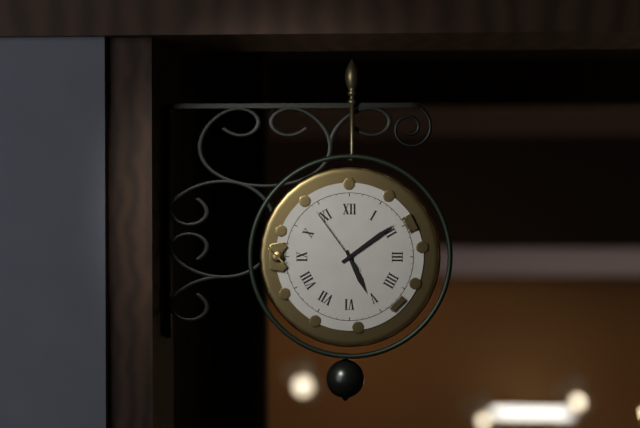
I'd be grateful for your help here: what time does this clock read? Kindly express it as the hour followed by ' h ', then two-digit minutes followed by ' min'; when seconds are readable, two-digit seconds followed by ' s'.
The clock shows 5 h 09 min 54 s
